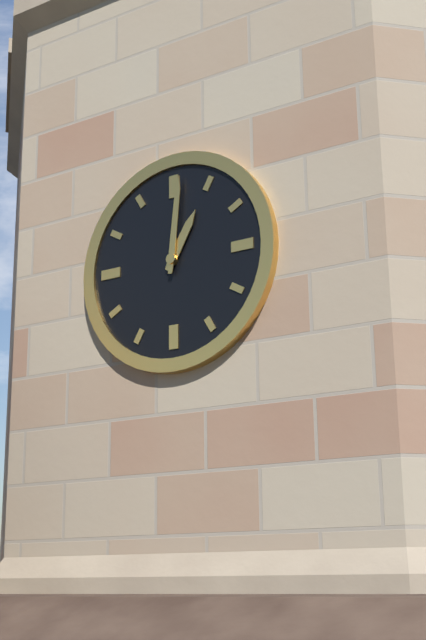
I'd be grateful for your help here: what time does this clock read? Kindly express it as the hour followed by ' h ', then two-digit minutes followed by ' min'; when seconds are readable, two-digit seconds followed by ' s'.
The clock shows 1 h 01 min
